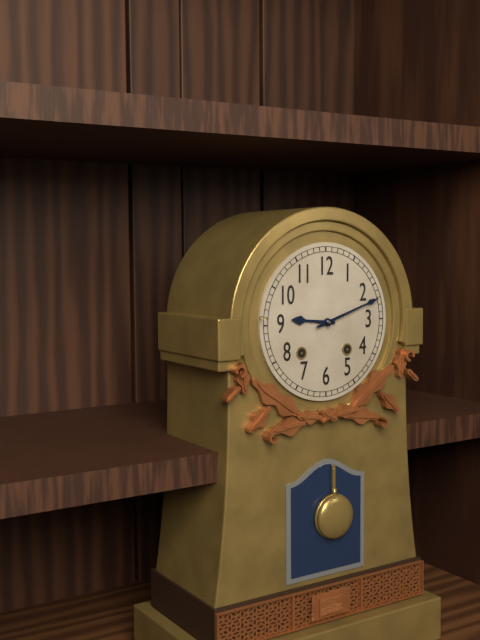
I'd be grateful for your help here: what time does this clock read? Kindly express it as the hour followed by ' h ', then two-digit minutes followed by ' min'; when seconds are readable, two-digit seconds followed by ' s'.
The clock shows 9 h 12 min
